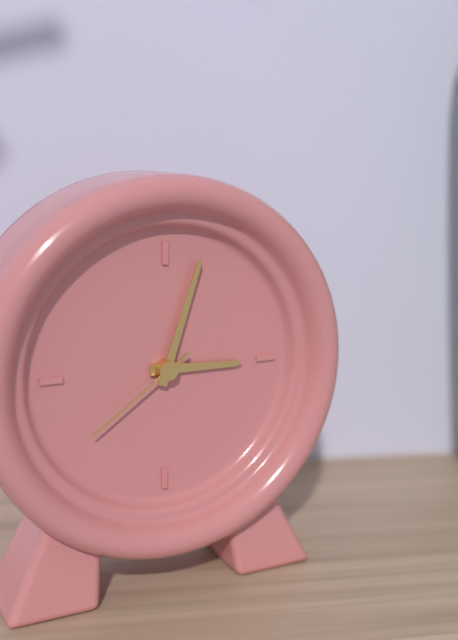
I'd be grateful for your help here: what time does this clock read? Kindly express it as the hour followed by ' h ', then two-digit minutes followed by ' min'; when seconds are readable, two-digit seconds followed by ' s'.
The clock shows 3 h 03 min 39 s
